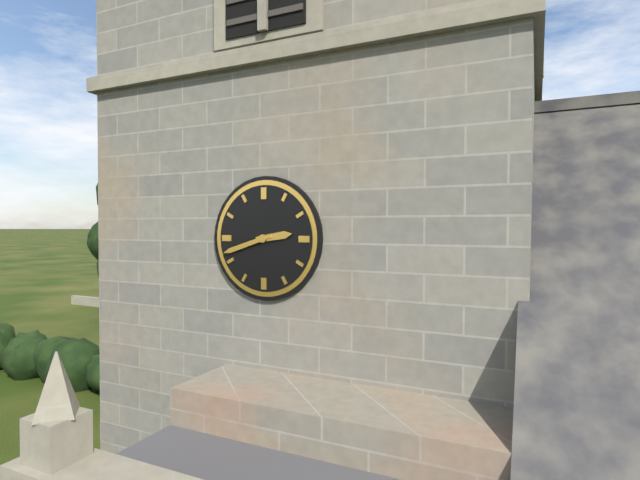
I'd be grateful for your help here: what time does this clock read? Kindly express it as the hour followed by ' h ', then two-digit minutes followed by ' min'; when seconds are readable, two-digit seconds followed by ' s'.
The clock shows 2 h 42 min
